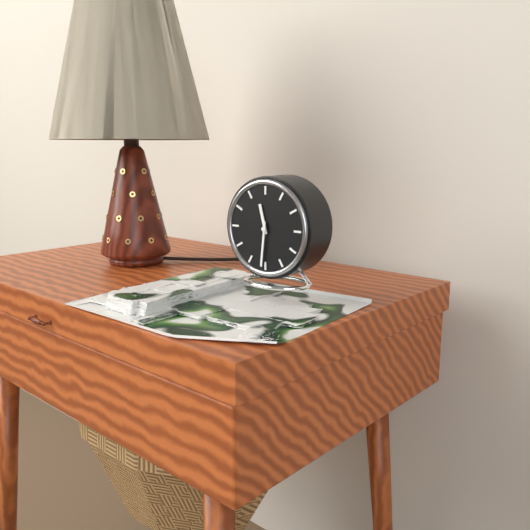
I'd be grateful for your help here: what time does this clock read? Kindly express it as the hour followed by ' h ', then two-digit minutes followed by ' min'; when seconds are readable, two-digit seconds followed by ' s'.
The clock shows 11 h 31 min
